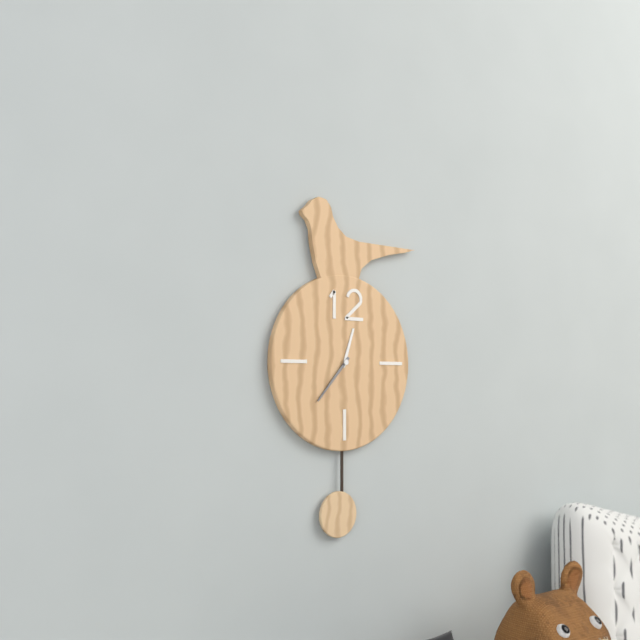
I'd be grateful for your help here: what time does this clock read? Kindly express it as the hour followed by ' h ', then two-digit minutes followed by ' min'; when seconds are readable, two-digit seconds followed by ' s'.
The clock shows 12 h 37 min
